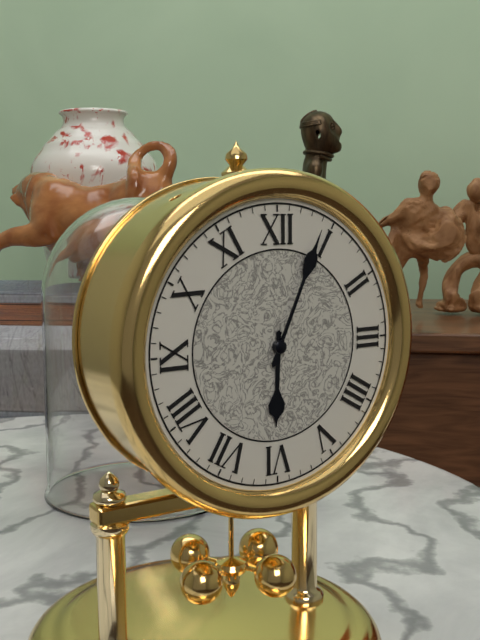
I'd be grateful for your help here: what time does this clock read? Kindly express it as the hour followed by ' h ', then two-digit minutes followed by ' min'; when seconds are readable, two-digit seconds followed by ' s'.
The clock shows 6 h 04 min
